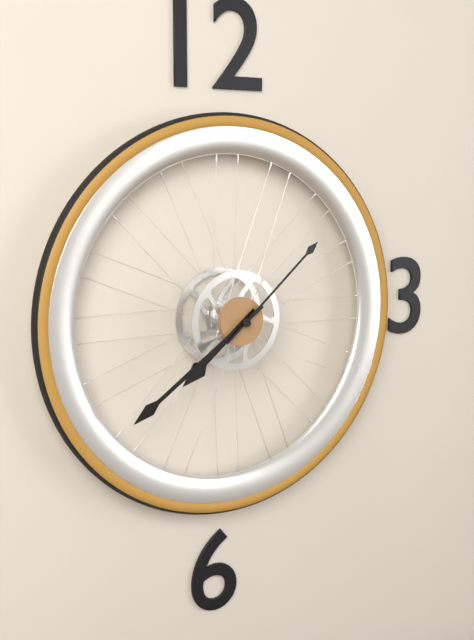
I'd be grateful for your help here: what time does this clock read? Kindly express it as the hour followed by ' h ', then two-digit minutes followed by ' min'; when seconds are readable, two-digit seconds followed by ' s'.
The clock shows 7 h 39 min 08 s
